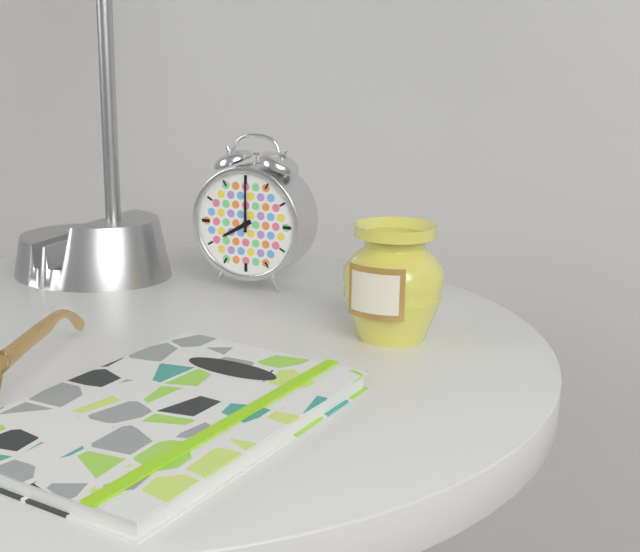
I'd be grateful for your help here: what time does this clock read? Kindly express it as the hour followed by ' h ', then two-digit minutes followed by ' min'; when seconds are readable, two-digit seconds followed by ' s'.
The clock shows 8 h 00 min
